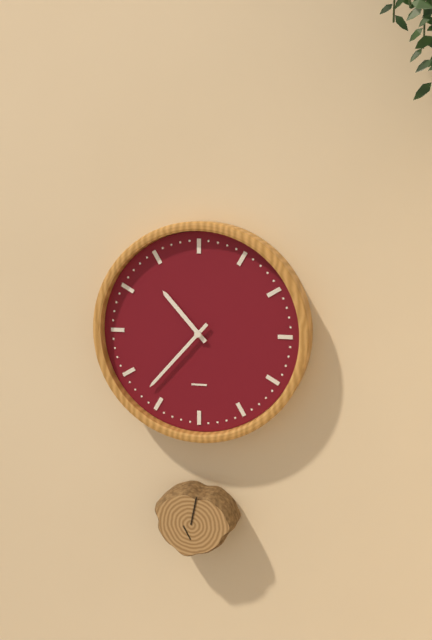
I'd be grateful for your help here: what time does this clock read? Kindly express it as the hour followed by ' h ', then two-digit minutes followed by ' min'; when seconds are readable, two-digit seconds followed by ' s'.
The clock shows 10 h 37 min
